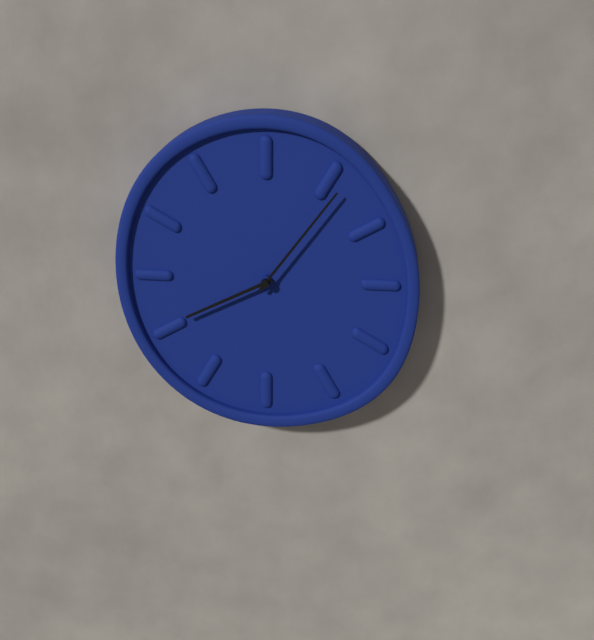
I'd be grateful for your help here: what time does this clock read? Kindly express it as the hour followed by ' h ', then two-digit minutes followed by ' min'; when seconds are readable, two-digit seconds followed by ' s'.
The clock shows 8 h 06 min
